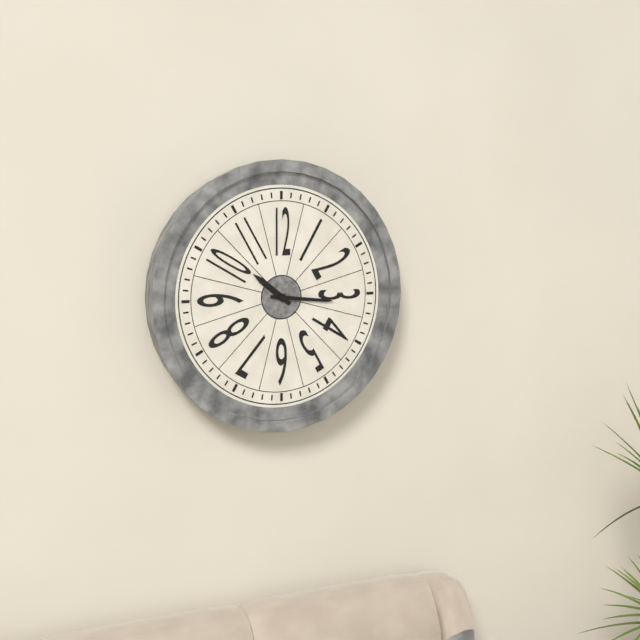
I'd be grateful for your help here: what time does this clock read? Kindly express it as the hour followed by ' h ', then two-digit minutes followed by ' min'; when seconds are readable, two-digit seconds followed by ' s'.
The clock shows 10 h 16 min
